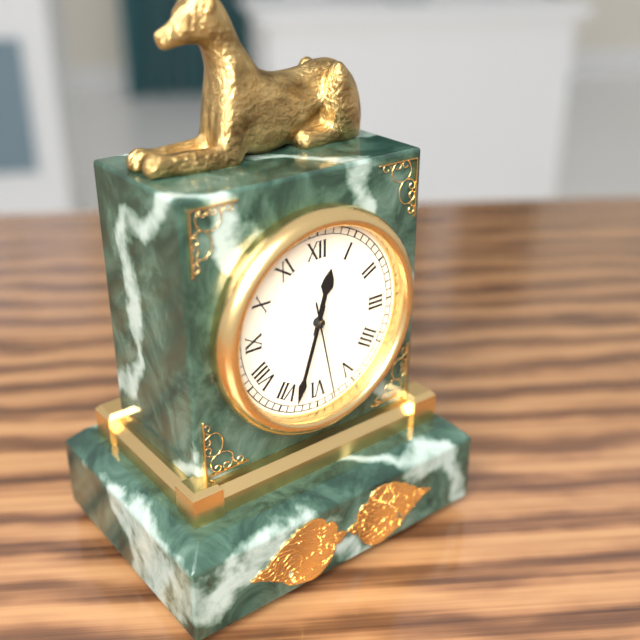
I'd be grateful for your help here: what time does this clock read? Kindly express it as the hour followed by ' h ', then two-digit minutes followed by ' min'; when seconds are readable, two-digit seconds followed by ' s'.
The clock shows 12 h 33 min 28 s
